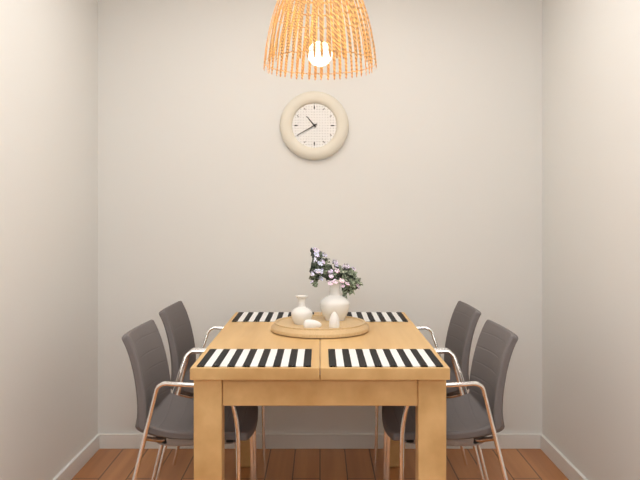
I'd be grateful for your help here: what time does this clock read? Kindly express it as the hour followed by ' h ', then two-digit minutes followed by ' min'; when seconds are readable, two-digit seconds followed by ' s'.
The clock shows 10 h 40 min
